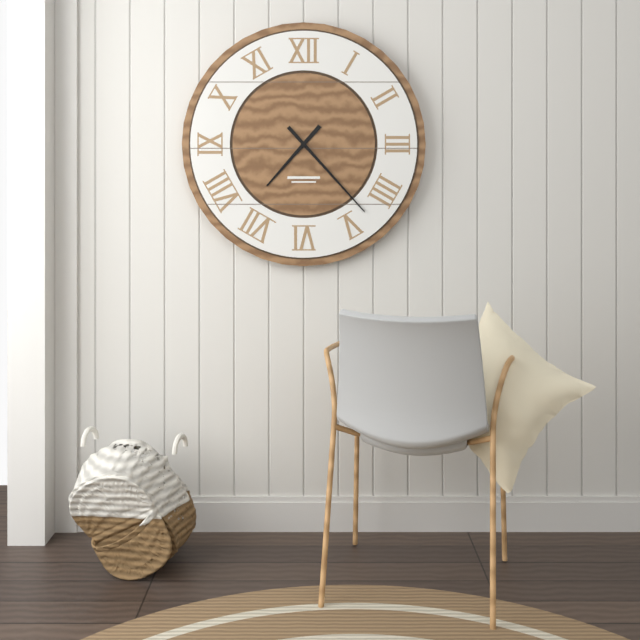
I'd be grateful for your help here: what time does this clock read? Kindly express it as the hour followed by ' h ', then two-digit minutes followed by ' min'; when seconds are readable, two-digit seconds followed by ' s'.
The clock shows 7 h 23 min
